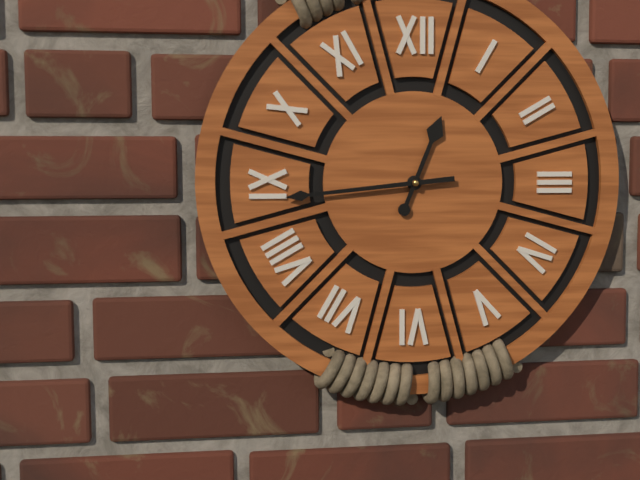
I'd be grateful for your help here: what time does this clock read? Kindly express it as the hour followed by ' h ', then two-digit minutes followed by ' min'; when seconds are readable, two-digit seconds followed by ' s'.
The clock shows 12 h 44 min
